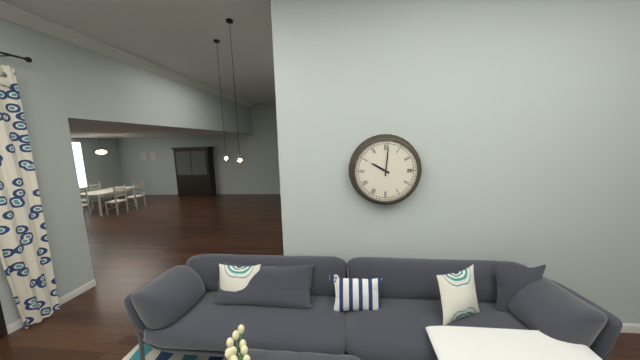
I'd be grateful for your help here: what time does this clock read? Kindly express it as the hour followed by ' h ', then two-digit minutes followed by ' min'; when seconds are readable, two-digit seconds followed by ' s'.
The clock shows 10 h 01 min
